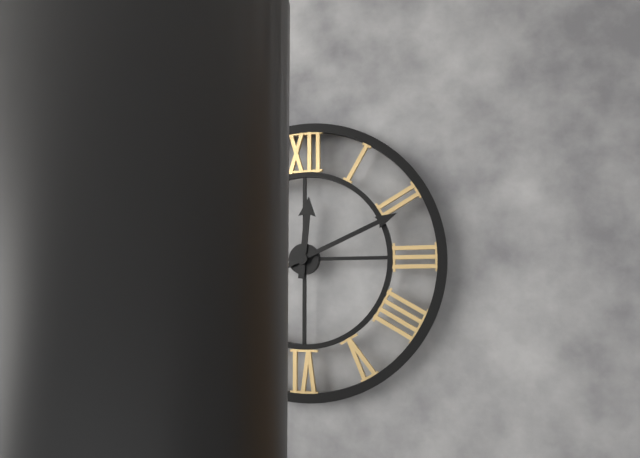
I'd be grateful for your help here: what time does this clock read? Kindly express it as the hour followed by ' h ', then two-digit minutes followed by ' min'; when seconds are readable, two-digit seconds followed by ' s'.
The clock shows 12 h 11 min
